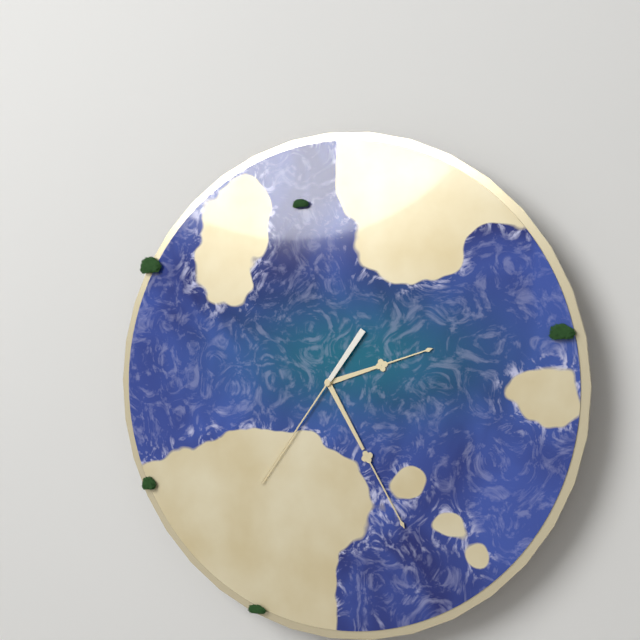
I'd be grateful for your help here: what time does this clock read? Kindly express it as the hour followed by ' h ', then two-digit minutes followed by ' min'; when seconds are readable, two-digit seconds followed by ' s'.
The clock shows 2 h 25 min 36 s
